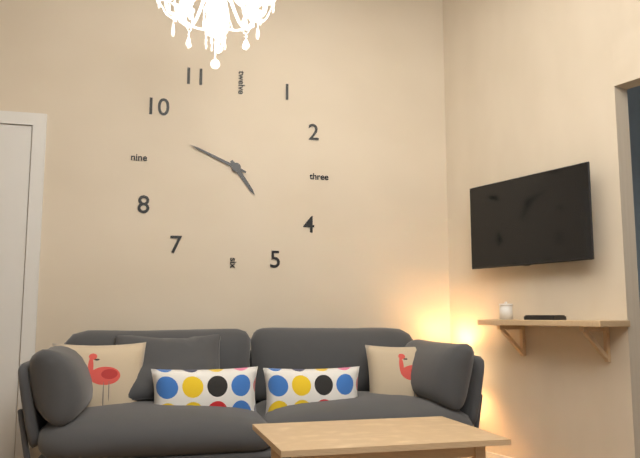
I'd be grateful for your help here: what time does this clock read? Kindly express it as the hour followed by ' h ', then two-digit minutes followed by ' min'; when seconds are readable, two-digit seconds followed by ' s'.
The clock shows 4 h 49 min
